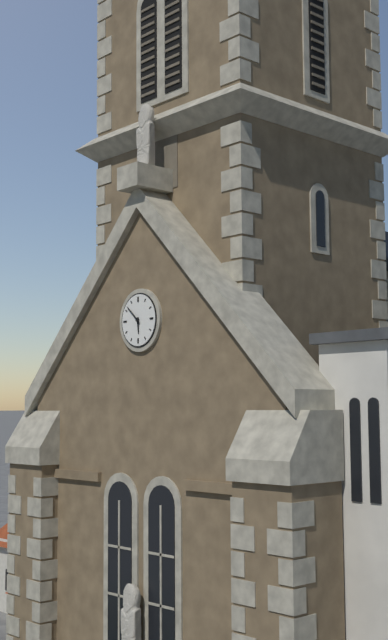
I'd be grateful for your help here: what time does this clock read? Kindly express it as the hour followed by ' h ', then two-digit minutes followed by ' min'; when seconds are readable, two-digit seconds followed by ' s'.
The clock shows 5 h 52 min
